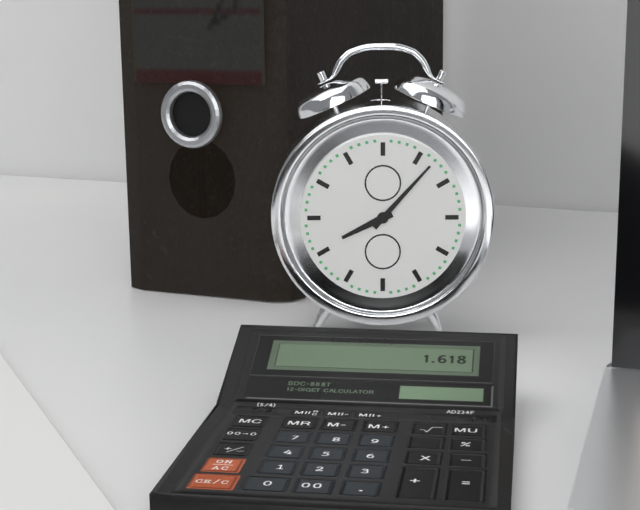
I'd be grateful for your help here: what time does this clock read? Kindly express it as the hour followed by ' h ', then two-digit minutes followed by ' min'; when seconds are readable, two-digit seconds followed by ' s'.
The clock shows 8 h 07 min
